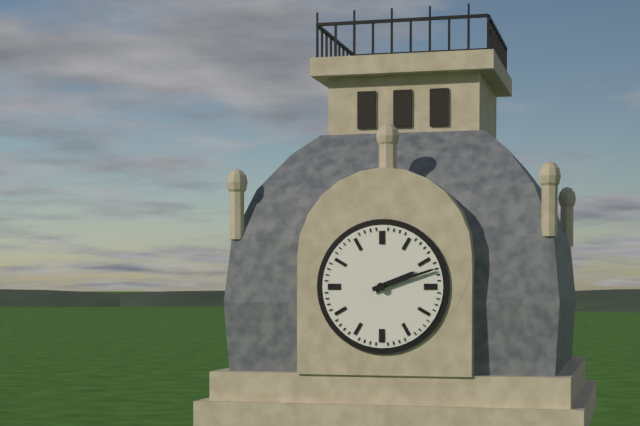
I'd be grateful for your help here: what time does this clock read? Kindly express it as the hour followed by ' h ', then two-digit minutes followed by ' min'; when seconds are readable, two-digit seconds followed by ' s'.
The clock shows 2 h 12 min
